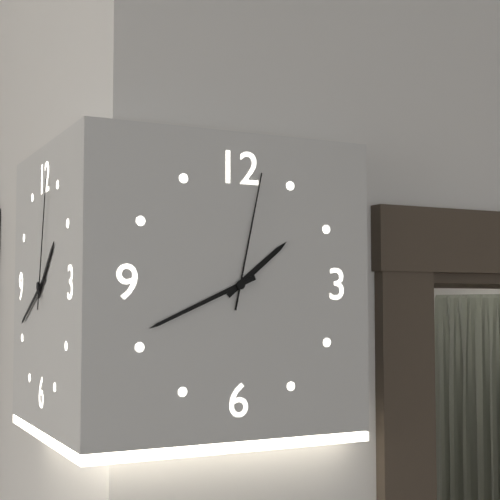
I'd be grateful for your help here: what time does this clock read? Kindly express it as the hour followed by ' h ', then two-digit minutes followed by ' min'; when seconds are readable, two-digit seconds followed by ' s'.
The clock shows 1 h 41 min 02 s
